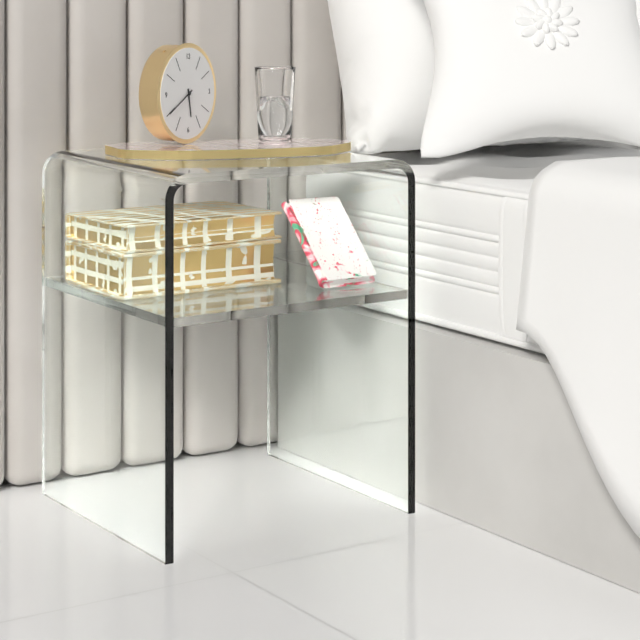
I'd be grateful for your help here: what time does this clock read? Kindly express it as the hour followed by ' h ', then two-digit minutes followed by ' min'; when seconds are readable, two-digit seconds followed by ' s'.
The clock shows 5 h 40 min
